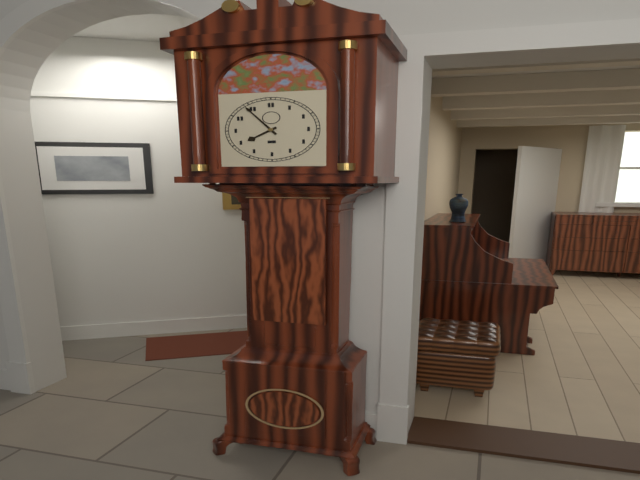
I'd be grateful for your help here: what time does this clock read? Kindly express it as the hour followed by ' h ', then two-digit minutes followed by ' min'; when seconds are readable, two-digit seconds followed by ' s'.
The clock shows 7 h 54 min
